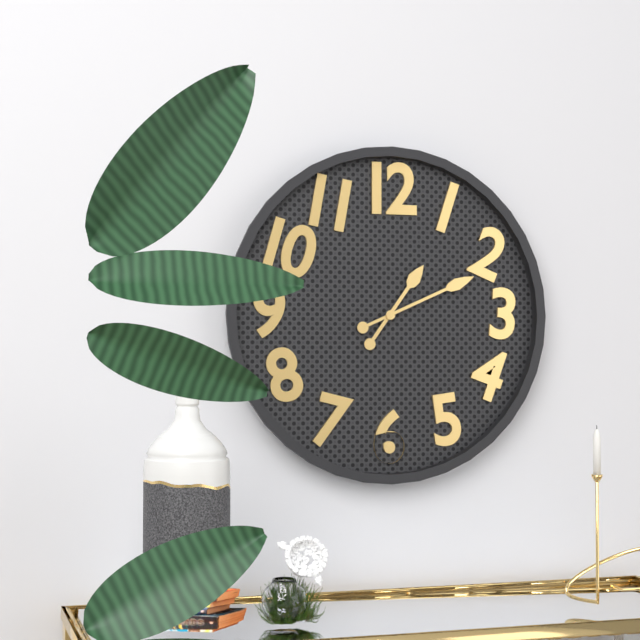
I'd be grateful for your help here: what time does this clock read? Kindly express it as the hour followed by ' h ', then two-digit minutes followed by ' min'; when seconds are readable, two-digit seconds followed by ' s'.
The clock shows 1 h 11 min
